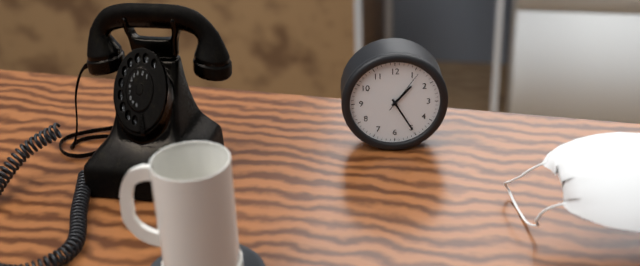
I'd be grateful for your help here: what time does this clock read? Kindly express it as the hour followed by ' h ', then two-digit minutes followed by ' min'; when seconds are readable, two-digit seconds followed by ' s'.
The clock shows 1 h 25 min
